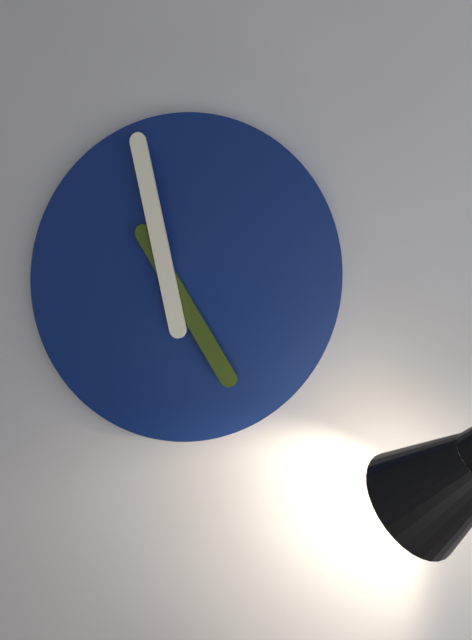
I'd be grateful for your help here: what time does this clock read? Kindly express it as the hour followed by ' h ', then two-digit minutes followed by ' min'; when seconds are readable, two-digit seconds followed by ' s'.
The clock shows 4 h 58 min
